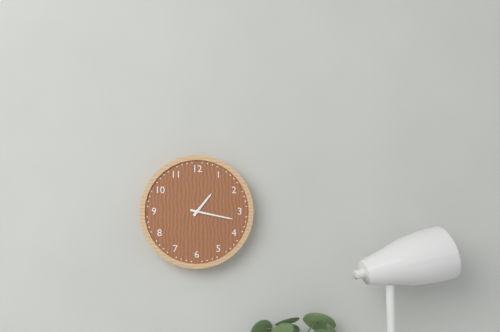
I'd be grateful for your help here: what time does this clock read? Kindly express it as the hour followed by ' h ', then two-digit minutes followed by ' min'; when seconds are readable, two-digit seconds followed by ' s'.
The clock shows 1 h 17 min
